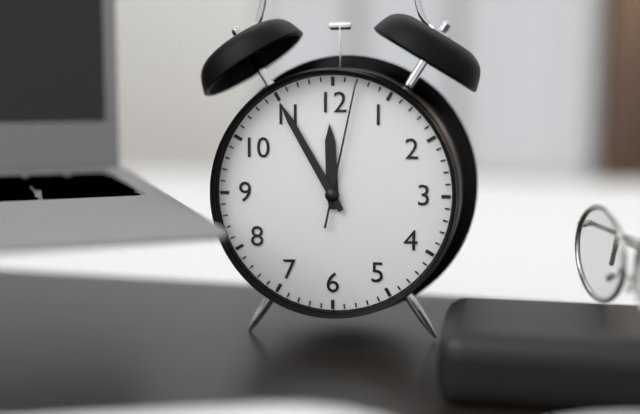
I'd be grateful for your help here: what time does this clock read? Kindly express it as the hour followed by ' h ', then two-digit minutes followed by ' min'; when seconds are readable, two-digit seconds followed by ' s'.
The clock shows 11 h 55 min 02 s
